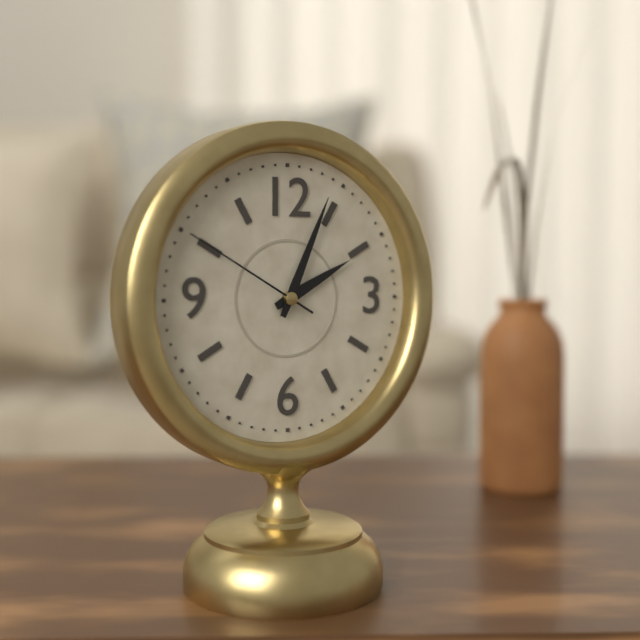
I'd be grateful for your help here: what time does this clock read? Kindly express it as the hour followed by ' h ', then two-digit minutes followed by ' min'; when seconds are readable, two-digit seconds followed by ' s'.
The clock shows 2 h 04 min 50 s
